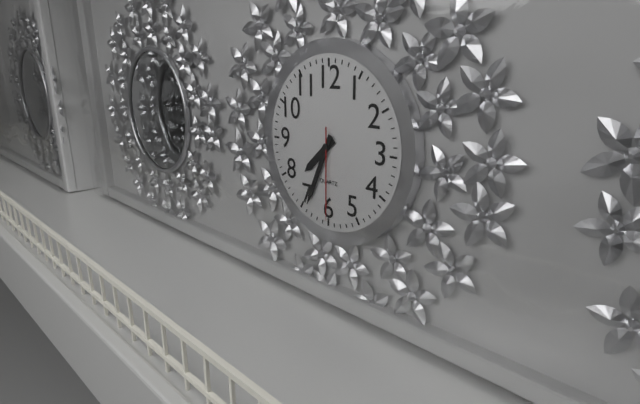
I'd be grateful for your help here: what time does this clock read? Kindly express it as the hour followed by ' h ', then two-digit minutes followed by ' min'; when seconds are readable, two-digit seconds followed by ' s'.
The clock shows 7 h 34 min 30 s
